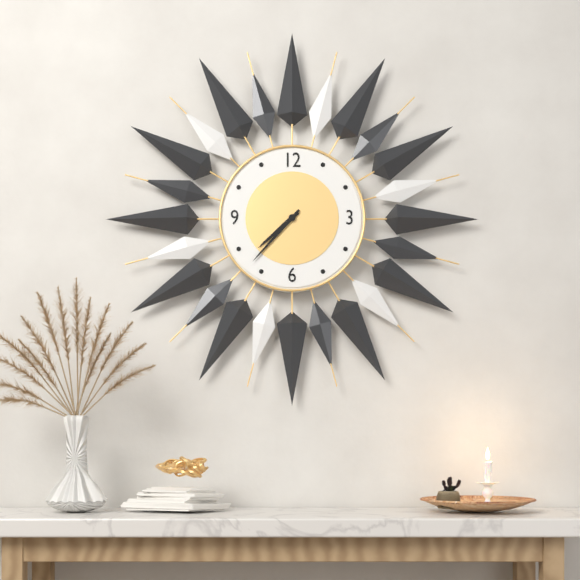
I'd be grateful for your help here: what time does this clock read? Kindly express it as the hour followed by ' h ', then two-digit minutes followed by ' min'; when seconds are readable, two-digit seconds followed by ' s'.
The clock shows 7 h 37 min
